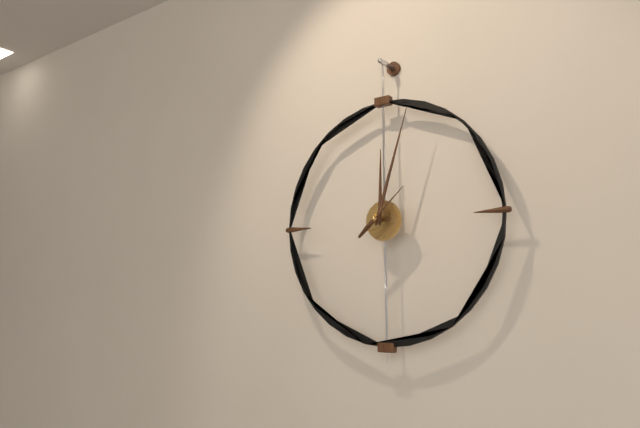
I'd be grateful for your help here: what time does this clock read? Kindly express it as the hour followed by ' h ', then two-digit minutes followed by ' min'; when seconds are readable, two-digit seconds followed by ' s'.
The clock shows 12 h 03 min 08 s
